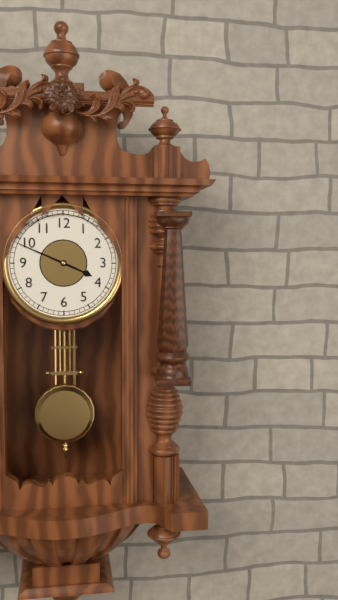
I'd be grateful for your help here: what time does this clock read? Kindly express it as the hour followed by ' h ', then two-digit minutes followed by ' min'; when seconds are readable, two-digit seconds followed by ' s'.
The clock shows 3 h 49 min
